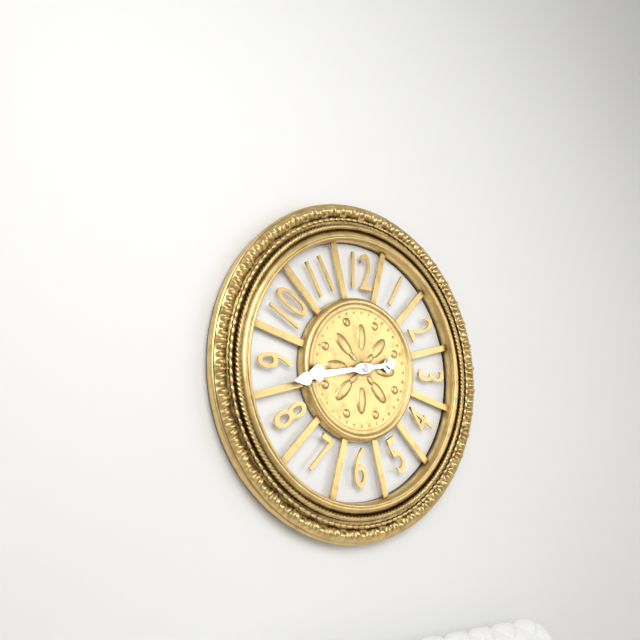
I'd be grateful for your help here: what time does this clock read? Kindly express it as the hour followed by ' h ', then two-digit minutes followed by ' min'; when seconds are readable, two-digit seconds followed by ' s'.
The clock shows 8 h 43 min
